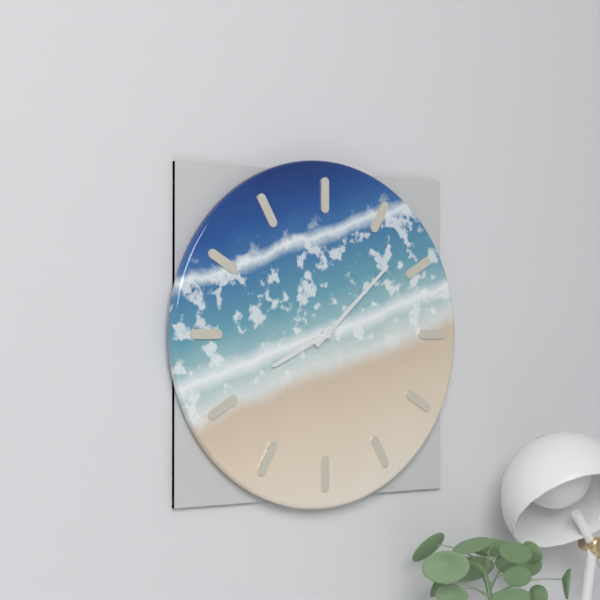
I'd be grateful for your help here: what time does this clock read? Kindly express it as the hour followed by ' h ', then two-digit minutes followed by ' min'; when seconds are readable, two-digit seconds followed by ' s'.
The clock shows 8 h 08 min
